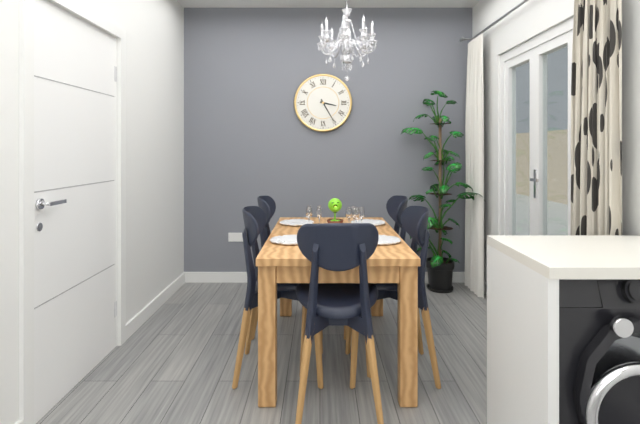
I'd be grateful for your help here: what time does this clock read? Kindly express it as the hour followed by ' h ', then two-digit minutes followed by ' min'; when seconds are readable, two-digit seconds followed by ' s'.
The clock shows 3 h 25 min
